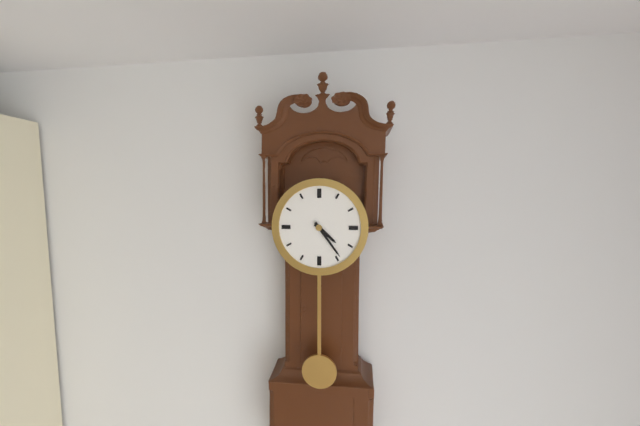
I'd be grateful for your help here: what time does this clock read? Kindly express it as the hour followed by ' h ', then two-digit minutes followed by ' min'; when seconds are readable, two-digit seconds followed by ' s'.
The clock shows 4 h 24 min
